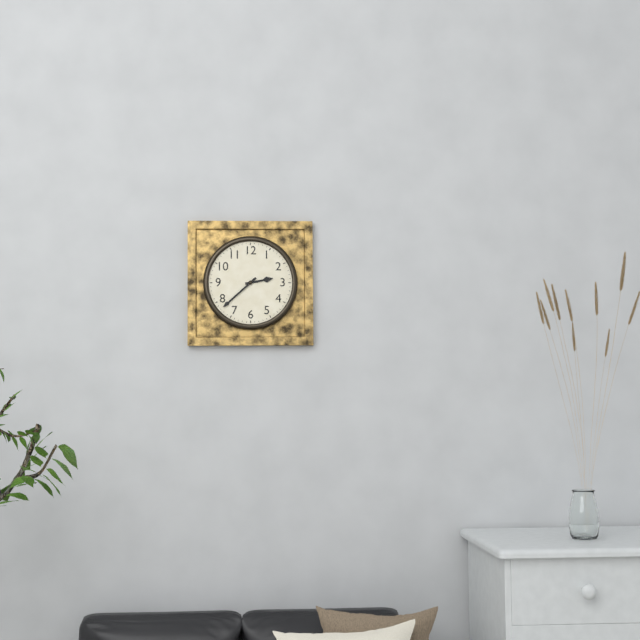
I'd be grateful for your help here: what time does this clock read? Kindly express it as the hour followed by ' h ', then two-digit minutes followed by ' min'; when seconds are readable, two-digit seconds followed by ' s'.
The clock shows 2 h 38 min
